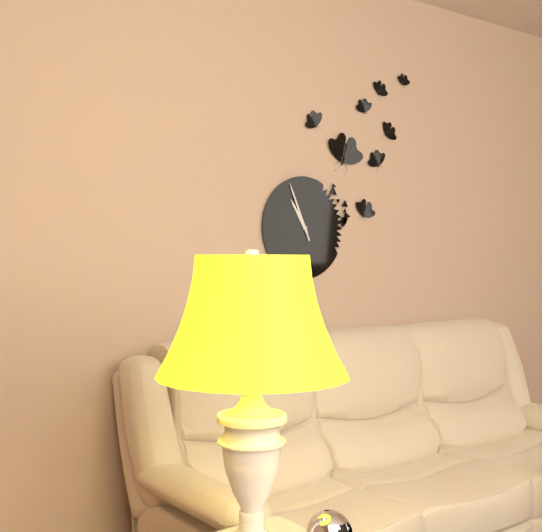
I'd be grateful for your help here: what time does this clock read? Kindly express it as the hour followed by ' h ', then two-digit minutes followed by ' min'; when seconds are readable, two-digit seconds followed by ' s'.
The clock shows 10 h 56 min
